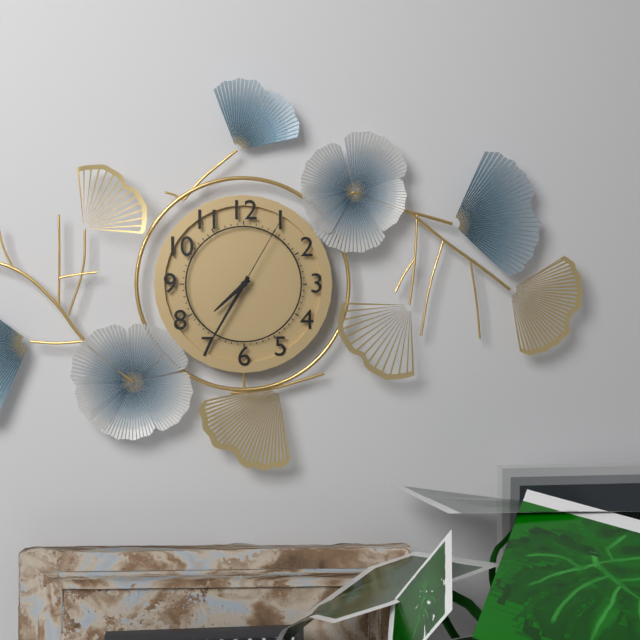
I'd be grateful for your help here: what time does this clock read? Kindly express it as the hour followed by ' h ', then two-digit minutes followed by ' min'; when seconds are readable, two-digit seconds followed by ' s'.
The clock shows 7 h 35 min 05 s
